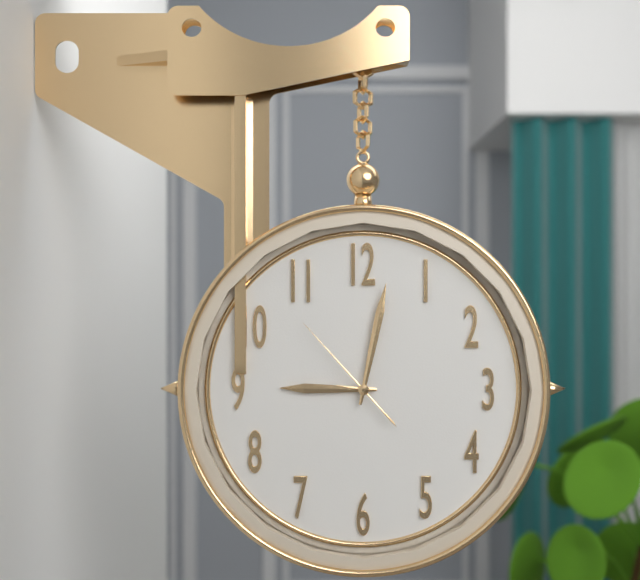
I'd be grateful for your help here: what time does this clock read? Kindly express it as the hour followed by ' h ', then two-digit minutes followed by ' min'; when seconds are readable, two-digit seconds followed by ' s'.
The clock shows 9 h 02 min 53 s
